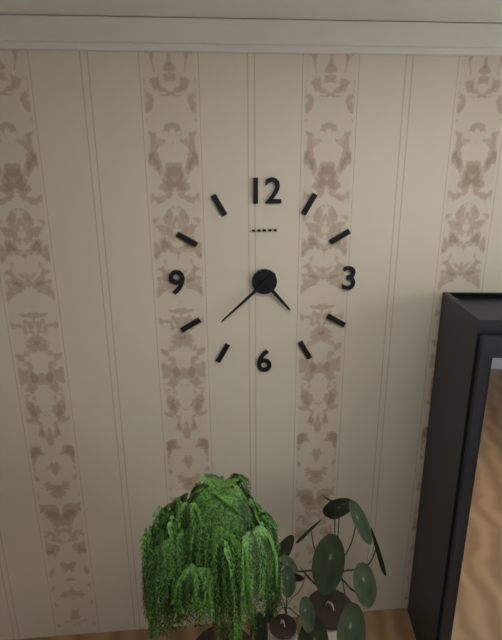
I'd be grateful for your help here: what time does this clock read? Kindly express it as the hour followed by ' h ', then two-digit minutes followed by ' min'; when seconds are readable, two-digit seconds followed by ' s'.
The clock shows 4 h 38 min
